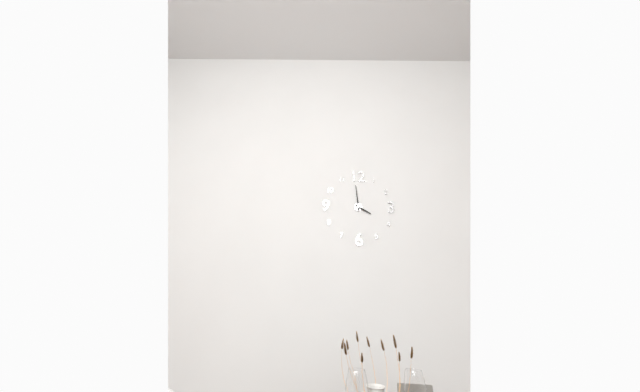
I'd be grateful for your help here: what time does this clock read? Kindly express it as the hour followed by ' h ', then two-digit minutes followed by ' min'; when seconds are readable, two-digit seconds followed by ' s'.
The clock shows 3 h 59 min
